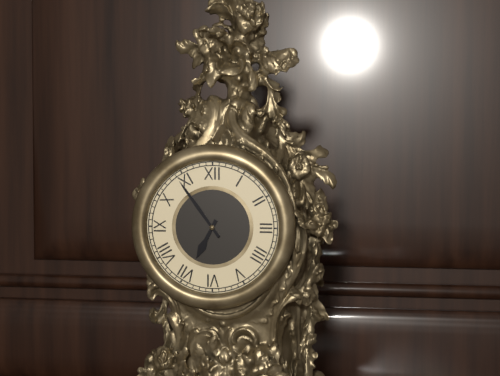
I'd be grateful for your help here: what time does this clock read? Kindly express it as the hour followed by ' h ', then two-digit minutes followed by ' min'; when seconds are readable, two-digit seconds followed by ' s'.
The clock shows 6 h 54 min
